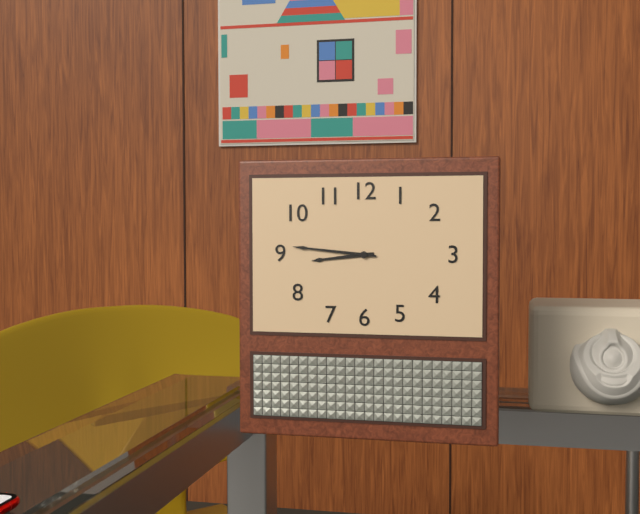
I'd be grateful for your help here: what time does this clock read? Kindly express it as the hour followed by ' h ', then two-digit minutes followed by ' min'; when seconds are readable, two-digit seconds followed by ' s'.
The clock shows 8 h 46 min
